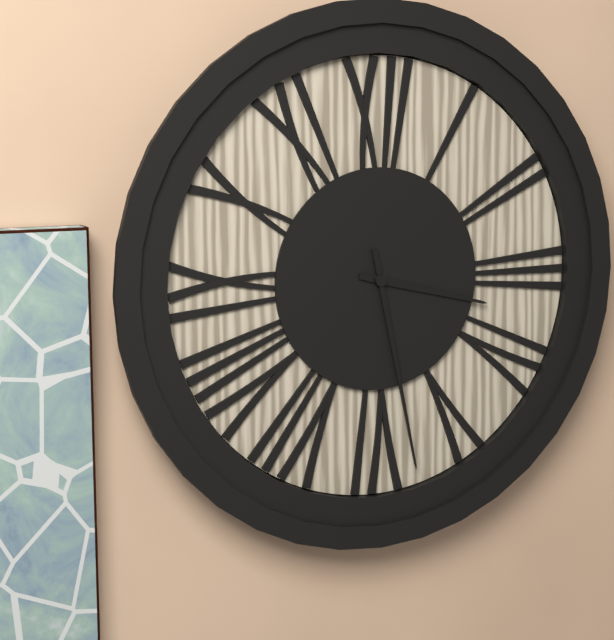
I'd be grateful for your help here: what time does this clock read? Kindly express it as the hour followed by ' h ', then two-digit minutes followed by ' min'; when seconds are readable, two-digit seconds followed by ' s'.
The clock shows 3 h 28 min
